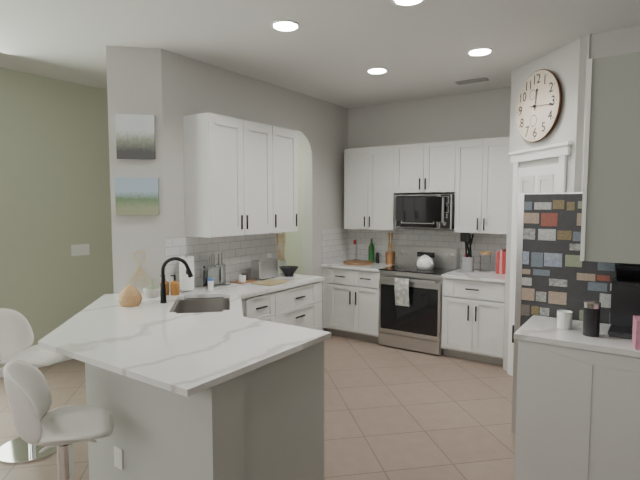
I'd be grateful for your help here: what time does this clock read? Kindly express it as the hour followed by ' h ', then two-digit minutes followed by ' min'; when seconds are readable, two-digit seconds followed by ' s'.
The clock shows 12 h 16 min
